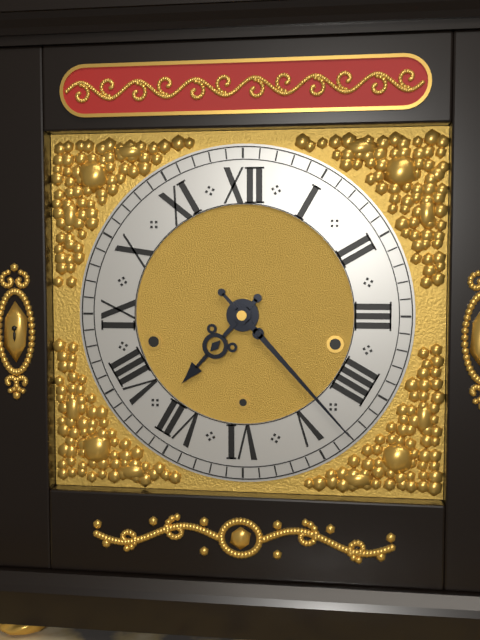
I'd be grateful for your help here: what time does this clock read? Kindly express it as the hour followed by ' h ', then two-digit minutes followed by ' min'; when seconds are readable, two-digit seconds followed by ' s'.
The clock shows 7 h 23 min
